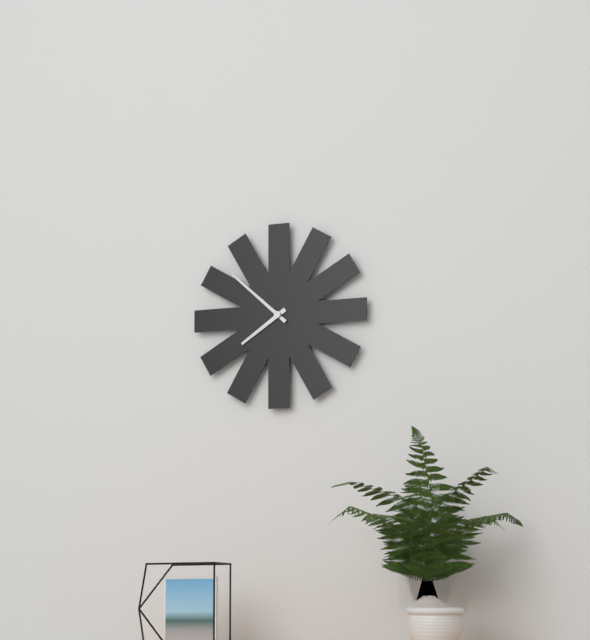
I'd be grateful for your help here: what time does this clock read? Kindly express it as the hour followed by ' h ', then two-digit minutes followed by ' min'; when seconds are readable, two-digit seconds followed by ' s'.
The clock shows 7 h 52 min
